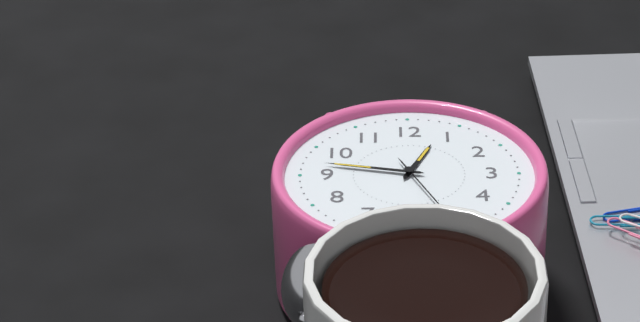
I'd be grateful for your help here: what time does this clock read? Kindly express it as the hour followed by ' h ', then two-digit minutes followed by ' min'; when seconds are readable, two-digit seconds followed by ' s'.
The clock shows 12 h 47 min
